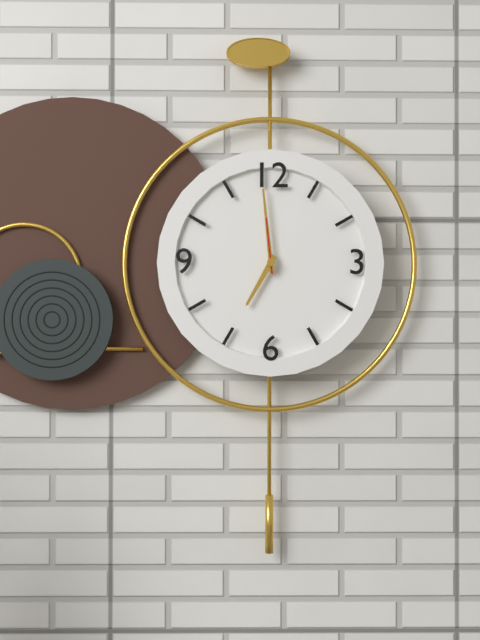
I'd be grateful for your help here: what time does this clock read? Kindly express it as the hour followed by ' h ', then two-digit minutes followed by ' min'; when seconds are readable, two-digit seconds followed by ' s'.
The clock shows 6 h 59 min 59 s
